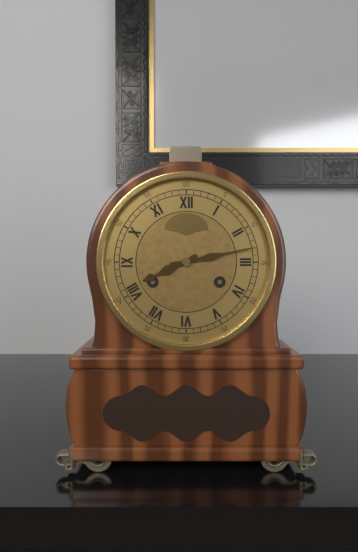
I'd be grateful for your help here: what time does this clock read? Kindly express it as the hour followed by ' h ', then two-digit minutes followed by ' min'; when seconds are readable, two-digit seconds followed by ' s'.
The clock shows 8 h 13 min
